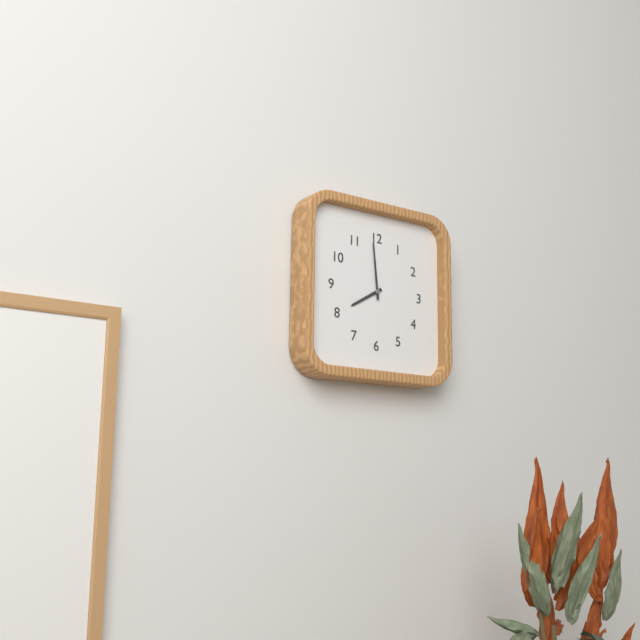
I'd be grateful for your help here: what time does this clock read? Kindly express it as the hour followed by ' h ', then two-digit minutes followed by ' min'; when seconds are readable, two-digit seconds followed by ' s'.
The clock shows 7 h 59 min
